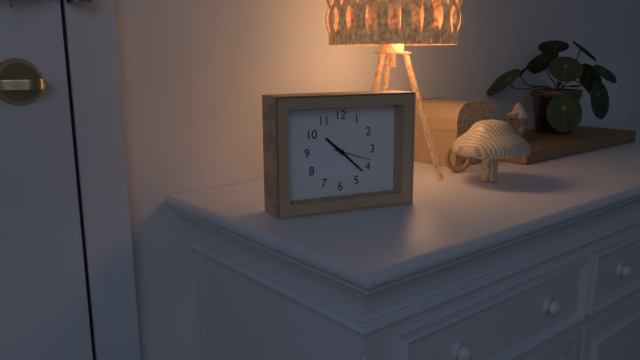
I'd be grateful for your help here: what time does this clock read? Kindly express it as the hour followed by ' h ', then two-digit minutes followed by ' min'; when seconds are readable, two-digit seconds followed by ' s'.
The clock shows 10 h 22 min
